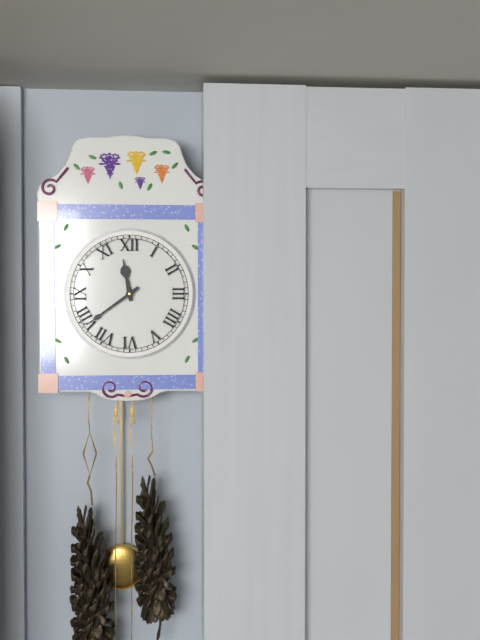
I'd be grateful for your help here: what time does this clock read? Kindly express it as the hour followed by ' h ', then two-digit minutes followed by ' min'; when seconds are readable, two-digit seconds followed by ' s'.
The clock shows 11 h 39 min
